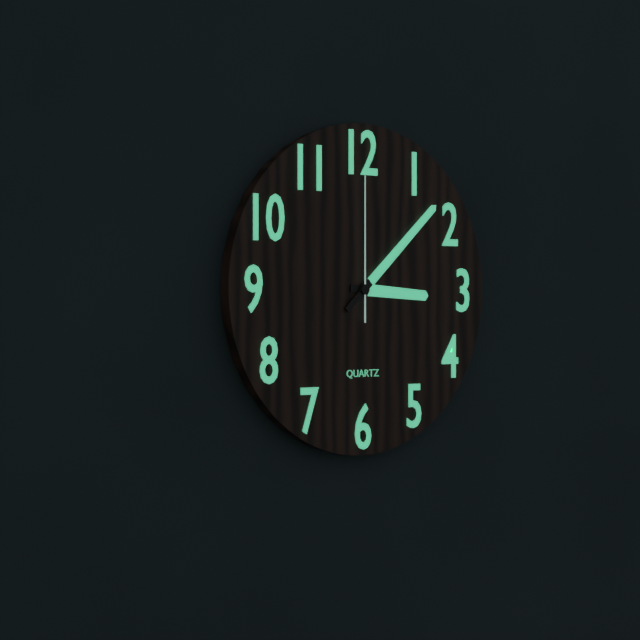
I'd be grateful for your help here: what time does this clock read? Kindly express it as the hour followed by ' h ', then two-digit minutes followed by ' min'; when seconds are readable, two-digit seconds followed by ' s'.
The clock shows 3 h 08 min 00 s
